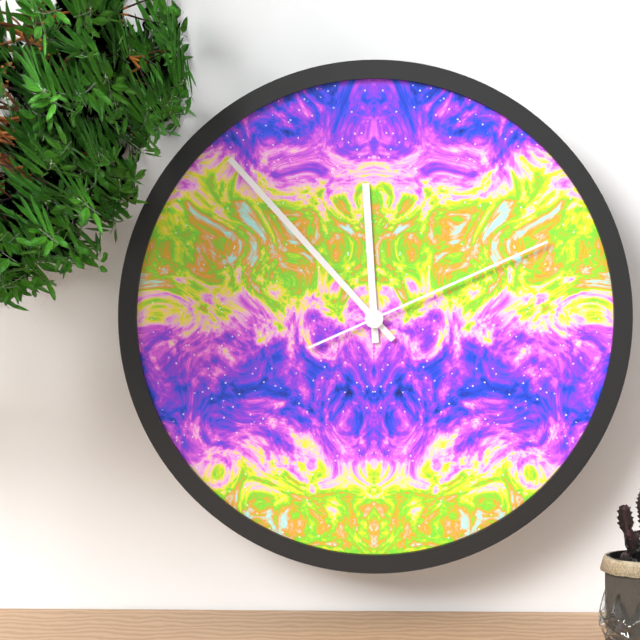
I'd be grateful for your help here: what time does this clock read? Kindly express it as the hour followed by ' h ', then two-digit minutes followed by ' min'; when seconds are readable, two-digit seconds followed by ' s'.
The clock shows 11 h 53 min 11 s
